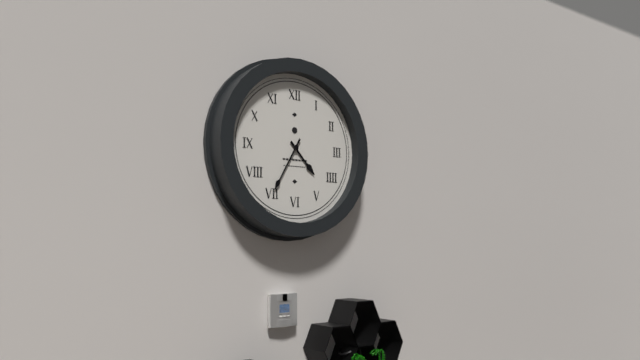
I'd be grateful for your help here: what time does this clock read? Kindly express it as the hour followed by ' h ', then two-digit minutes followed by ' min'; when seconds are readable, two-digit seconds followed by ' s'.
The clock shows 4 h 35 min
